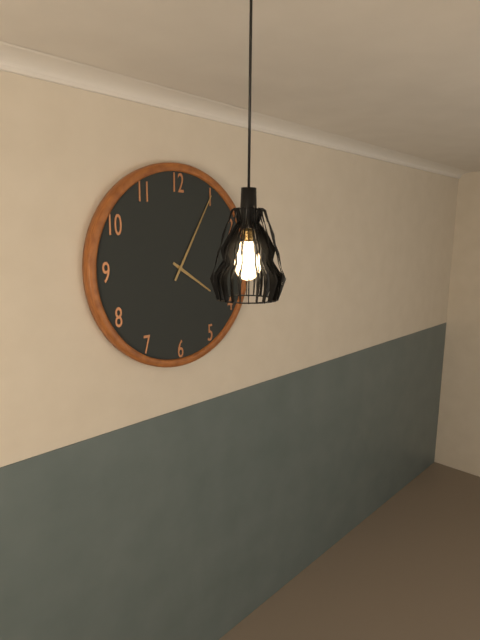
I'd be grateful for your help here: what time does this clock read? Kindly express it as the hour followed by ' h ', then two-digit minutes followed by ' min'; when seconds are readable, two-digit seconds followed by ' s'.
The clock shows 4 h 05 min
